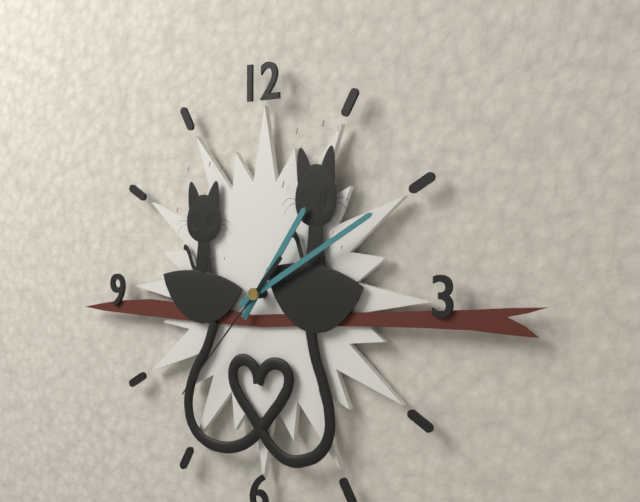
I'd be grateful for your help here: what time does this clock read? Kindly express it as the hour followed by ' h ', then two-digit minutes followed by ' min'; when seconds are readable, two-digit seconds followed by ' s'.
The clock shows 1 h 10 min 37 s
